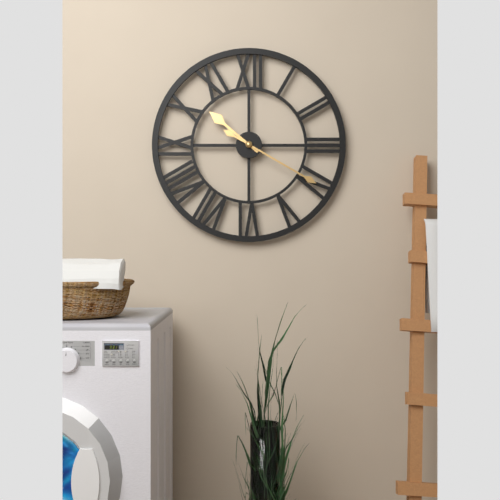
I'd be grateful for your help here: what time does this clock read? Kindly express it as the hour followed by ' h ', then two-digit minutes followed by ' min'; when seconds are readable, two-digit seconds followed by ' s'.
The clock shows 10 h 20 min
